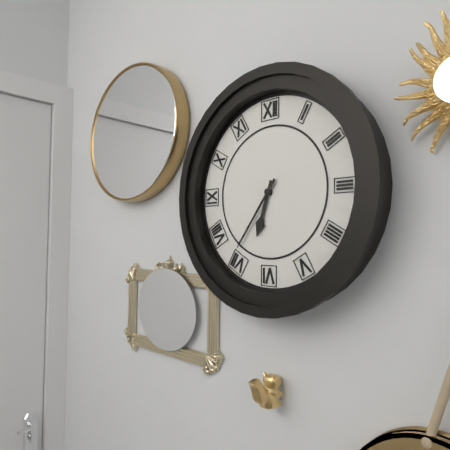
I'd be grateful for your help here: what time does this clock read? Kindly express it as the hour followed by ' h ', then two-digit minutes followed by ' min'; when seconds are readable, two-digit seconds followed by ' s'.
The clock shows 6 h 36 min
